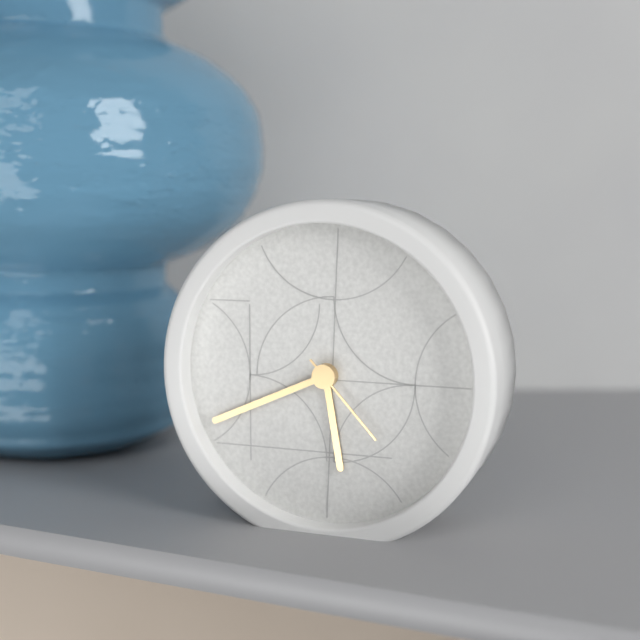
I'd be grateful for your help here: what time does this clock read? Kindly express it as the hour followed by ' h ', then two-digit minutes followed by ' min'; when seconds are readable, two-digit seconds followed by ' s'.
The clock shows 5 h 41 min 23 s
